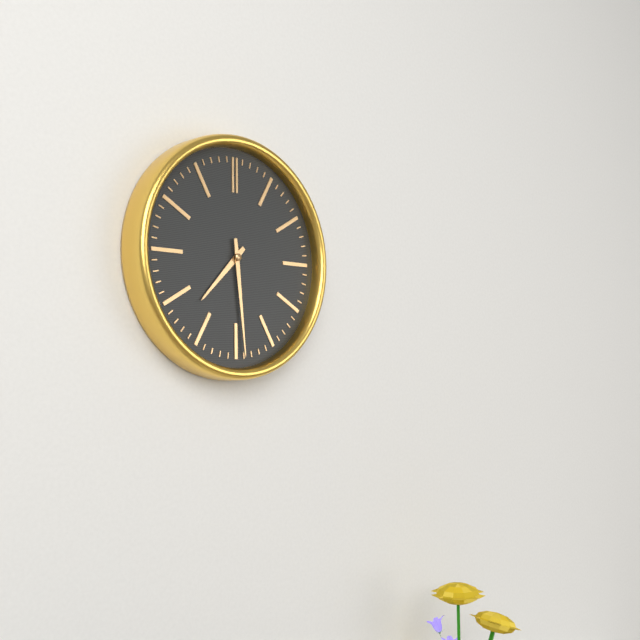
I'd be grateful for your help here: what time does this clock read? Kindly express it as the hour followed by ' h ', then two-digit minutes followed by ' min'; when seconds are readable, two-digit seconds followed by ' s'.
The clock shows 7 h 29 min
